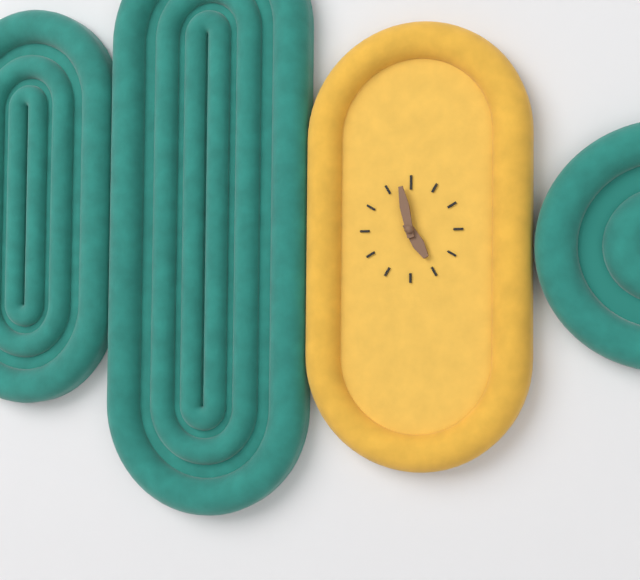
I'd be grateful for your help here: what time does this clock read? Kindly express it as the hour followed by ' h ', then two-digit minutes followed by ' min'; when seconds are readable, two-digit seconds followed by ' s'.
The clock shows 4 h 58 min
